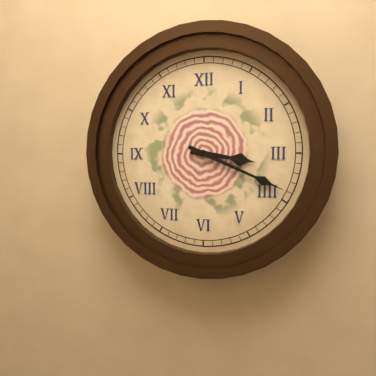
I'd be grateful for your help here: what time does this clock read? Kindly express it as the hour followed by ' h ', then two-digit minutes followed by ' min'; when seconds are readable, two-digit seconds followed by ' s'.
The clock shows 3 h 19 min
